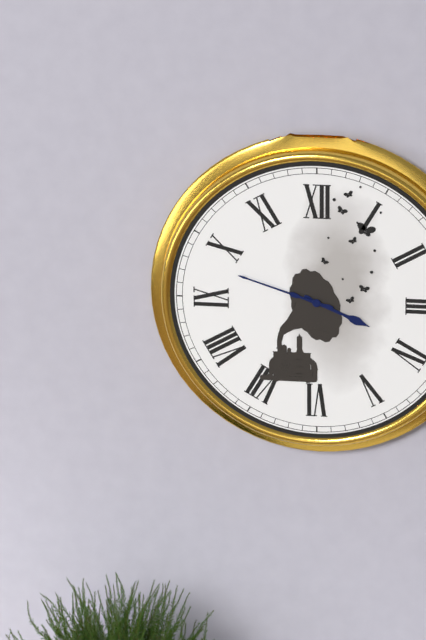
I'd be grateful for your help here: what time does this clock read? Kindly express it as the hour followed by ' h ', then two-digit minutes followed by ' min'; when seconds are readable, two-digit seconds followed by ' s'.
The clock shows 3 h 48 min
